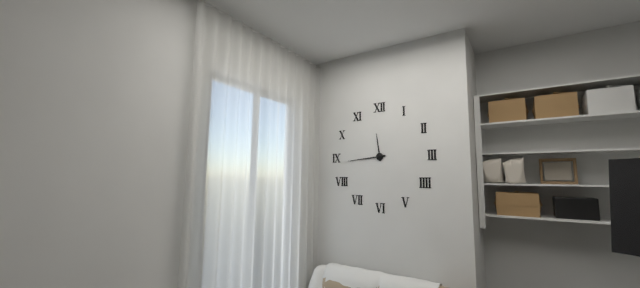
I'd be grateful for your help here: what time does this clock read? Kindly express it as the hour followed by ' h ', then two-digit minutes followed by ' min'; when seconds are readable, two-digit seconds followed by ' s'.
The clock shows 11 h 44 min
